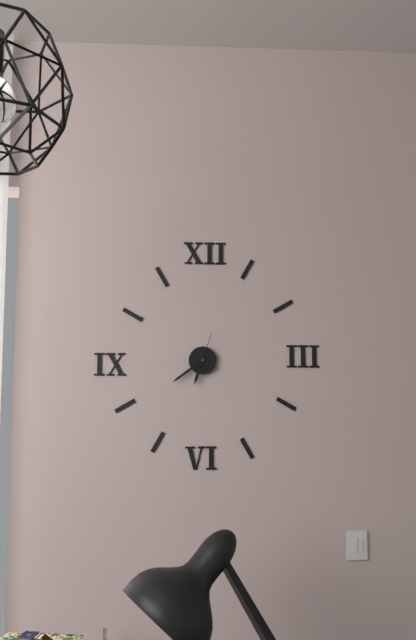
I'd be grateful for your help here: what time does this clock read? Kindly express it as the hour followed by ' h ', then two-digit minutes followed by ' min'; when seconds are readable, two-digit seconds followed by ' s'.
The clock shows 6 h 39 min
